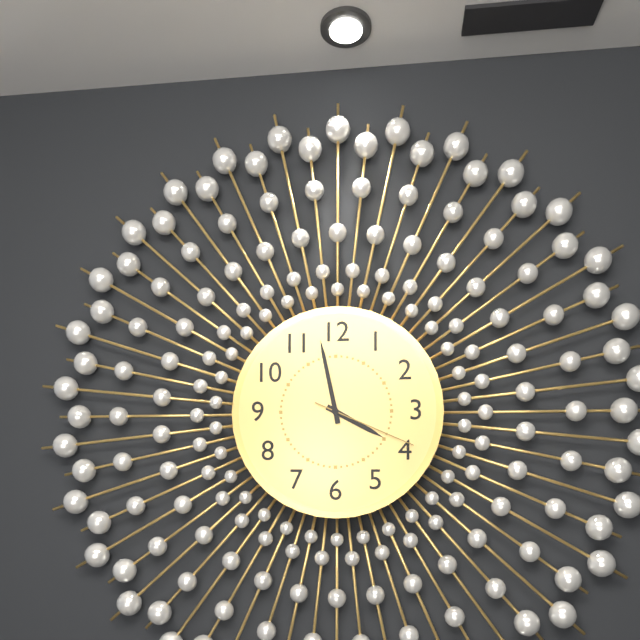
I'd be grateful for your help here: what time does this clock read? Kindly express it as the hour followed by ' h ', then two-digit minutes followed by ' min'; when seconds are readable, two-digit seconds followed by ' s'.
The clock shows 3 h 58 min 19 s
